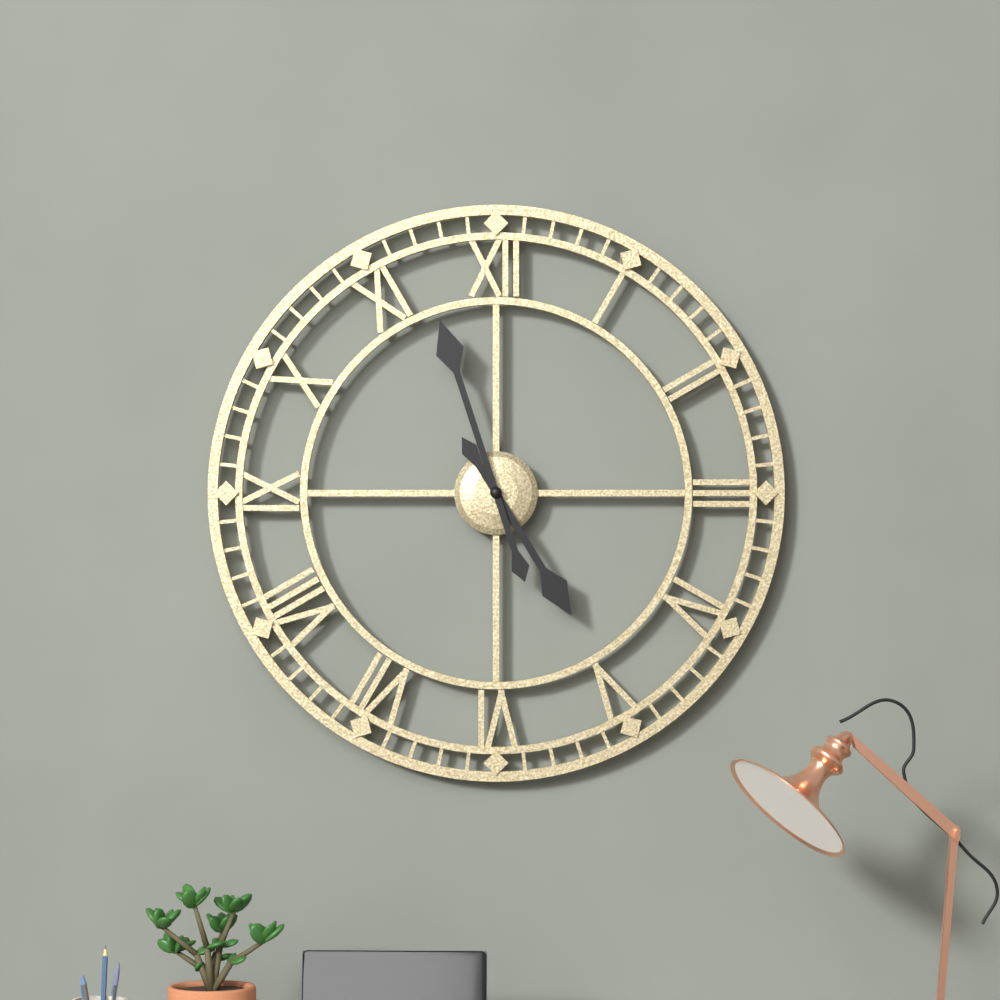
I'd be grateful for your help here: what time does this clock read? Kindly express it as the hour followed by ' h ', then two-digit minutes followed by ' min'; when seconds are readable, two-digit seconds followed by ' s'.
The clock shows 4 h 57 min
